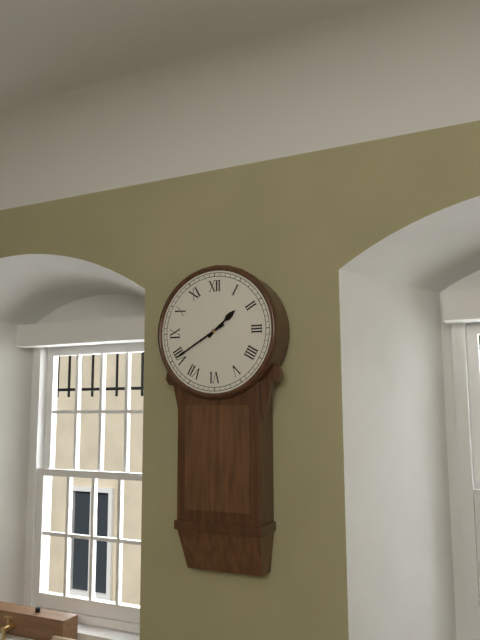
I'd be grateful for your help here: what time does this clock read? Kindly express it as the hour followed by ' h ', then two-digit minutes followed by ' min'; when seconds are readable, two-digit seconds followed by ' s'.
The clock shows 1 h 40 min
